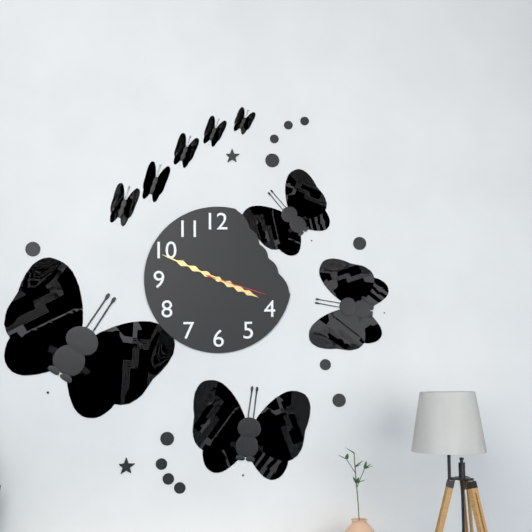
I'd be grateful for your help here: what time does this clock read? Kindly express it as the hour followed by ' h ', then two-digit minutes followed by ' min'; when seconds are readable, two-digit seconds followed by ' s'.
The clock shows 3 h 49 min 18 s
